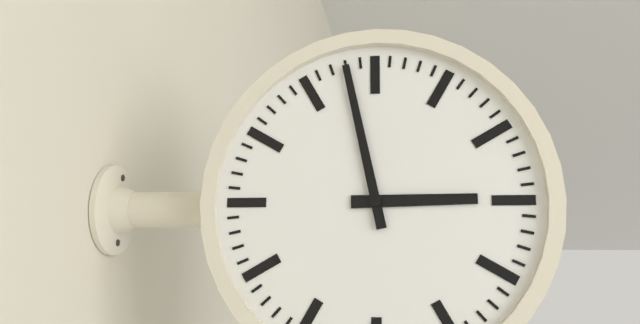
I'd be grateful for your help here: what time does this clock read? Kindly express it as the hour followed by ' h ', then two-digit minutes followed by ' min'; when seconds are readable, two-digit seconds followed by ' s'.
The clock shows 2 h 58 min
